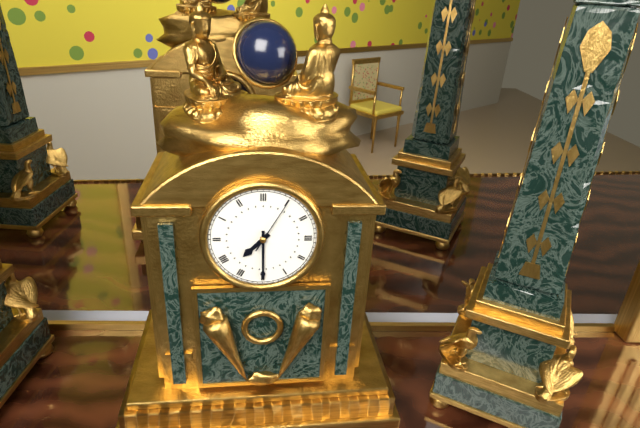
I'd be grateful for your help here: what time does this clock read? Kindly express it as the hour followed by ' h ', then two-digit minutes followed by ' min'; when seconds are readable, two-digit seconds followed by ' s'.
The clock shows 7 h 30 min 05 s
